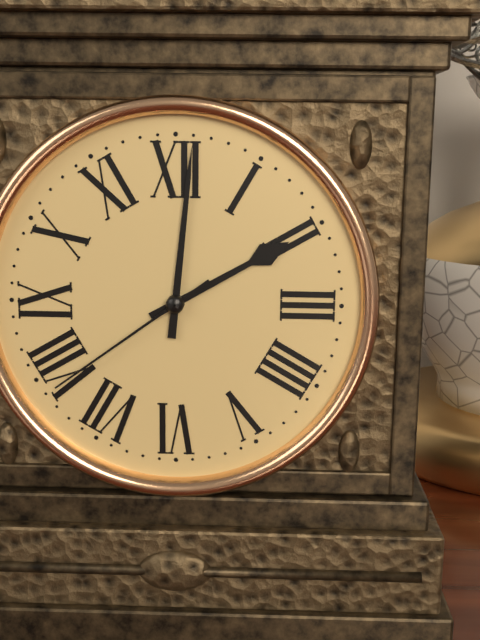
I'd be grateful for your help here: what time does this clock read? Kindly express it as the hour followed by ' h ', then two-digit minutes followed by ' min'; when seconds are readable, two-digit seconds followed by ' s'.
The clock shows 2 h 01 min 39 s
